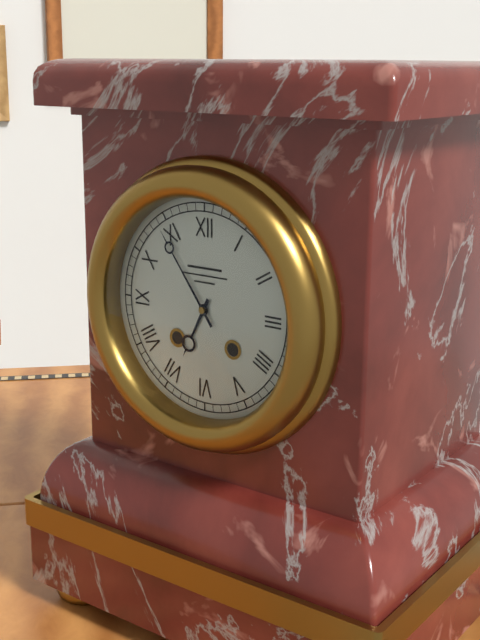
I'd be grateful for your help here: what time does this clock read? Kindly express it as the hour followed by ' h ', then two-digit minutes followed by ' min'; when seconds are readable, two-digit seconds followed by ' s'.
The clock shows 6 h 54 min
